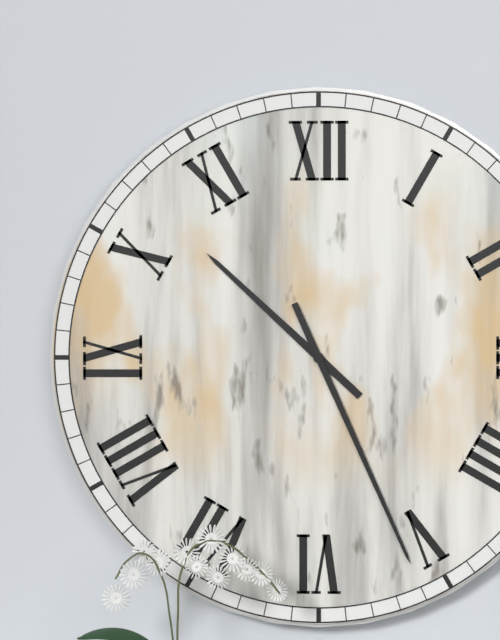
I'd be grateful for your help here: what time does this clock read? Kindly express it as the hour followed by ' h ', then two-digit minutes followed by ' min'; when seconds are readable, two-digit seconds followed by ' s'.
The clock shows 10 h 26 min
